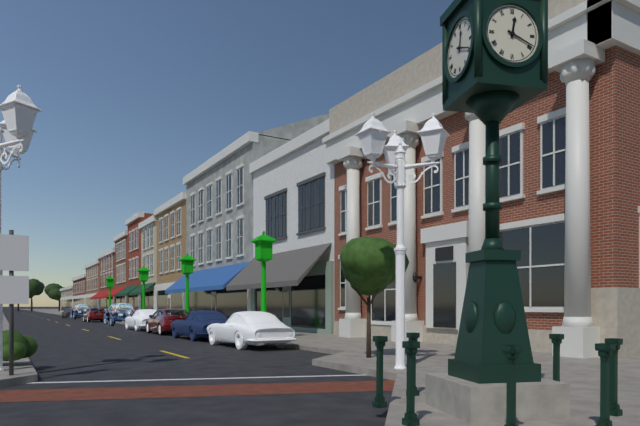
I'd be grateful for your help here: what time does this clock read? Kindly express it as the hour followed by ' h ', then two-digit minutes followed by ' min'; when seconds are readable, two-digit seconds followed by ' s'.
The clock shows 12 h 19 min
